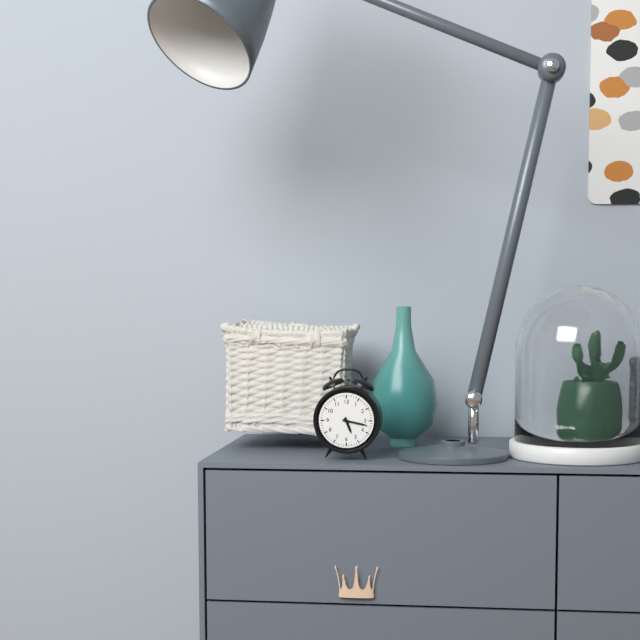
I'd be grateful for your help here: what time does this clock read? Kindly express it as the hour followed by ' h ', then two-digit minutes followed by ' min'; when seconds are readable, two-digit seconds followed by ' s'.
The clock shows 5 h 17 min
